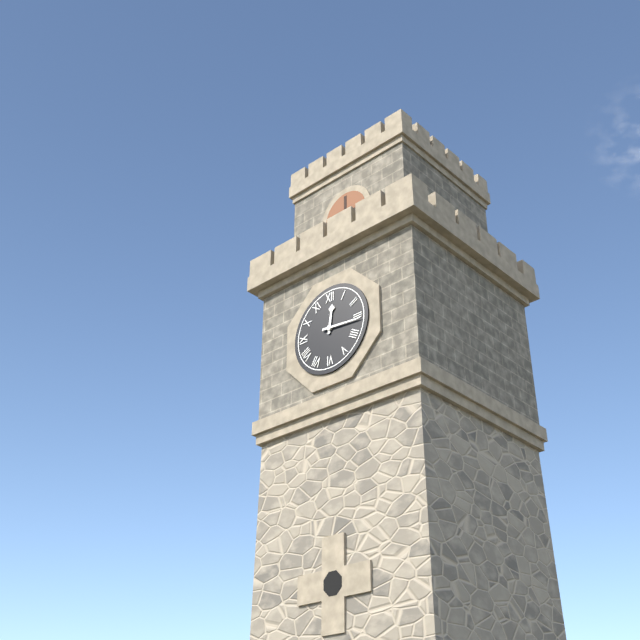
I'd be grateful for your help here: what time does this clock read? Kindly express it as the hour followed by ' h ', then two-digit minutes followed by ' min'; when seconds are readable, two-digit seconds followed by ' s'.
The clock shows 12 h 16 min
